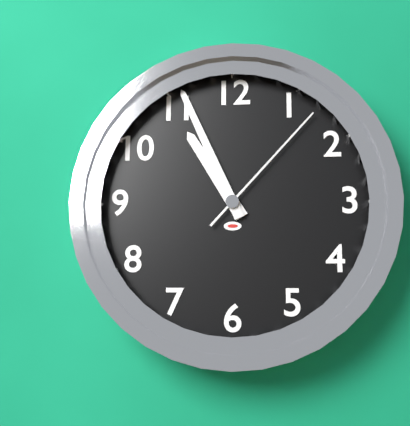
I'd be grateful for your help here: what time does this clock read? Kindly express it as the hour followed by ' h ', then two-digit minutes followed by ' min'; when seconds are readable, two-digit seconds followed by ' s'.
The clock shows 10 h 56 min 07 s
